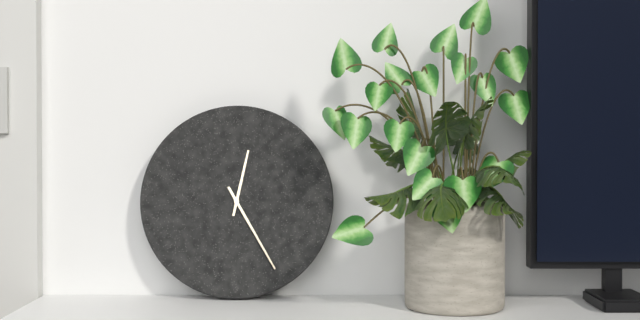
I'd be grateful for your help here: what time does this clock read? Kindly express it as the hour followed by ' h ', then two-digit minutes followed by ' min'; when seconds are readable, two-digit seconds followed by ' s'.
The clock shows 12 h 25 min
